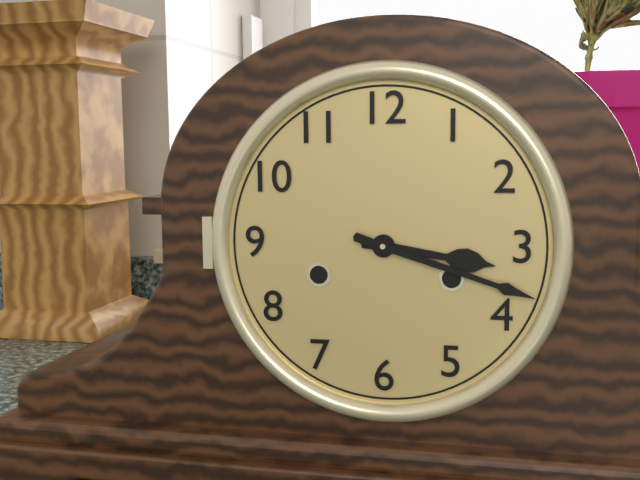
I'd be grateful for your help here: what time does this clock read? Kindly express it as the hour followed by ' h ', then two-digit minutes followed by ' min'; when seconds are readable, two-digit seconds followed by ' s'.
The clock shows 3 h 18 min
